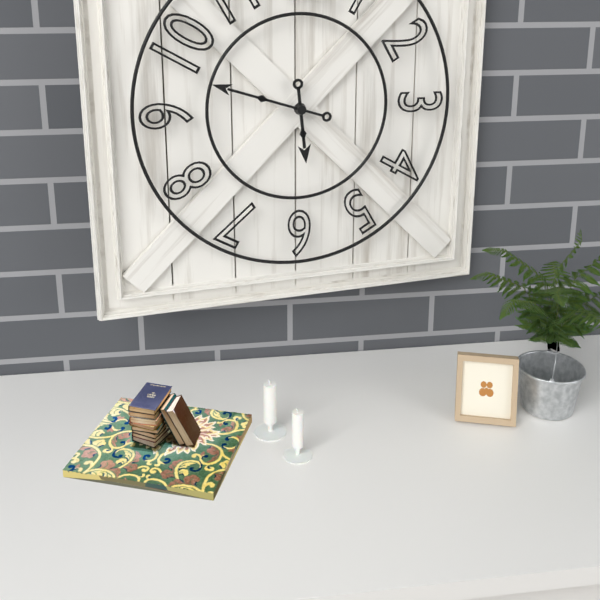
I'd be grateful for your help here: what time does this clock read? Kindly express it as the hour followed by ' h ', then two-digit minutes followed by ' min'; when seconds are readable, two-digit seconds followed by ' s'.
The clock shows 5 h 48 min
